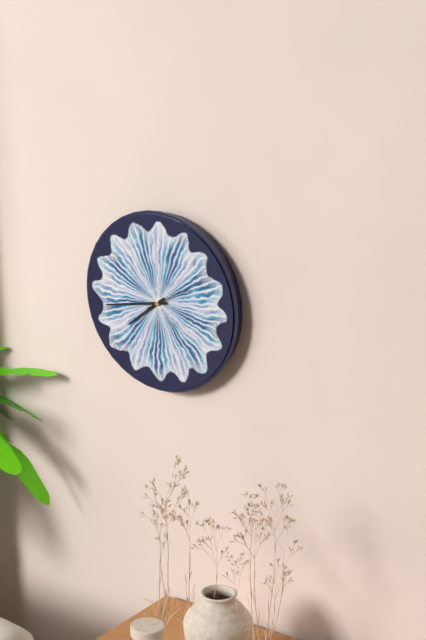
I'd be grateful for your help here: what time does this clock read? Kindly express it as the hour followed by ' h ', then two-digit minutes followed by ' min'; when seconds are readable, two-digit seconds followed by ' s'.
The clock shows 7 h 43 min
